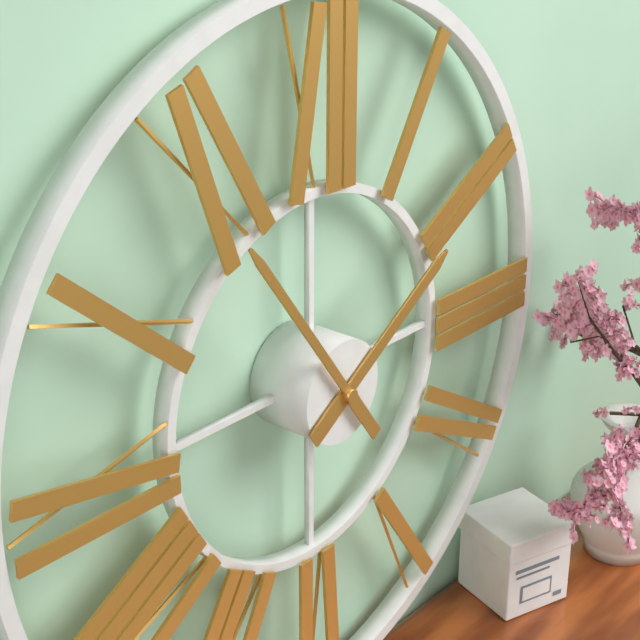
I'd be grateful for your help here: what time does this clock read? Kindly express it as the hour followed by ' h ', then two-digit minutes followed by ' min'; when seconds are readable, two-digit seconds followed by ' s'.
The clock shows 1 h 54 min
